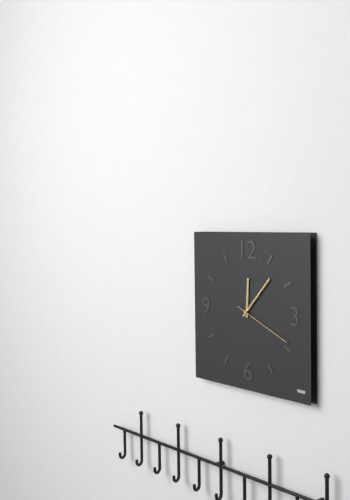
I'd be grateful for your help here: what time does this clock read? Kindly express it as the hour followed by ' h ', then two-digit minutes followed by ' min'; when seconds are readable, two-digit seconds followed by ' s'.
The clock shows 12 h 07 min 19 s
